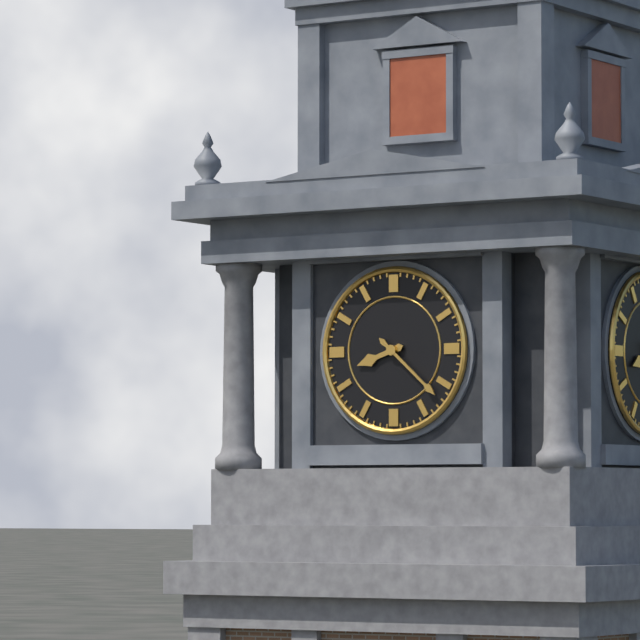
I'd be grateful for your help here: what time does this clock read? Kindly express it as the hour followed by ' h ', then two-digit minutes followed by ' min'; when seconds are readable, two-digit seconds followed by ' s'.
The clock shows 8 h 22 min
